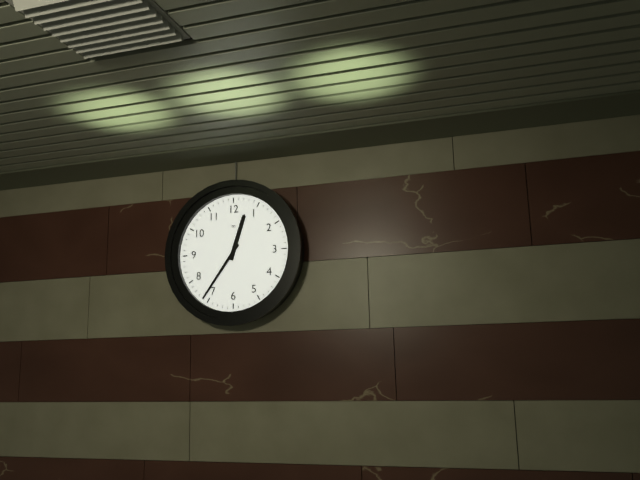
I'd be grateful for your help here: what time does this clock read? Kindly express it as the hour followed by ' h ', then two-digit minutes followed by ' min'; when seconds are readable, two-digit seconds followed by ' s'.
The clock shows 12 h 36 min
